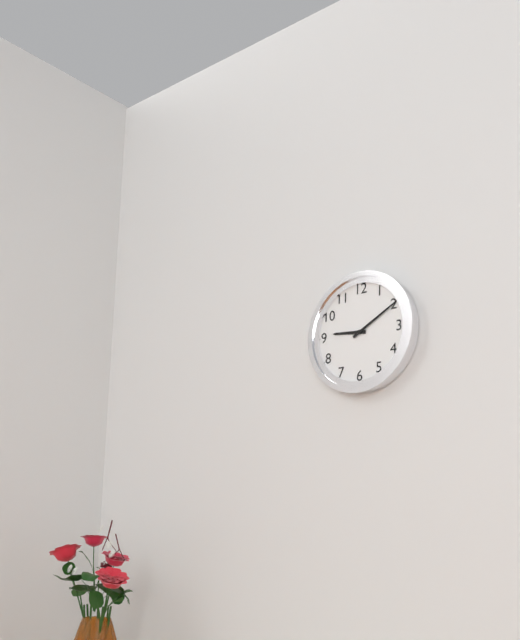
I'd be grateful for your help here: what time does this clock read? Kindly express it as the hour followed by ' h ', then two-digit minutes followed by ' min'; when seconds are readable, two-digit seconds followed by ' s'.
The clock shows 9 h 10 min
